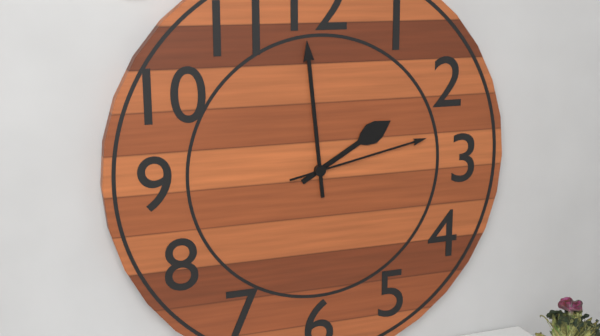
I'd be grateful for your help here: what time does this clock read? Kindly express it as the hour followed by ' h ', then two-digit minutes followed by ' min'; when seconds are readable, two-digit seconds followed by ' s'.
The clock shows 1 h 59 min 13 s
